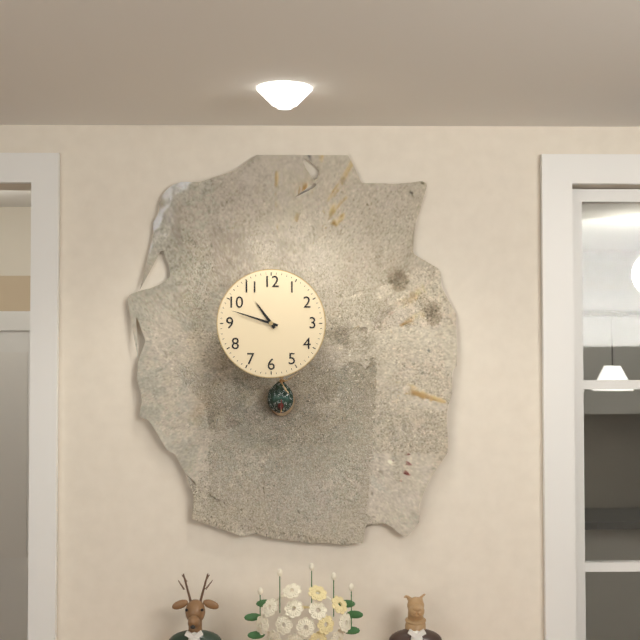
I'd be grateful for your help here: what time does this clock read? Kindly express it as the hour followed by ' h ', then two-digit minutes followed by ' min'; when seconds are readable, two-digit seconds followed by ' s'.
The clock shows 10 h 48 min
